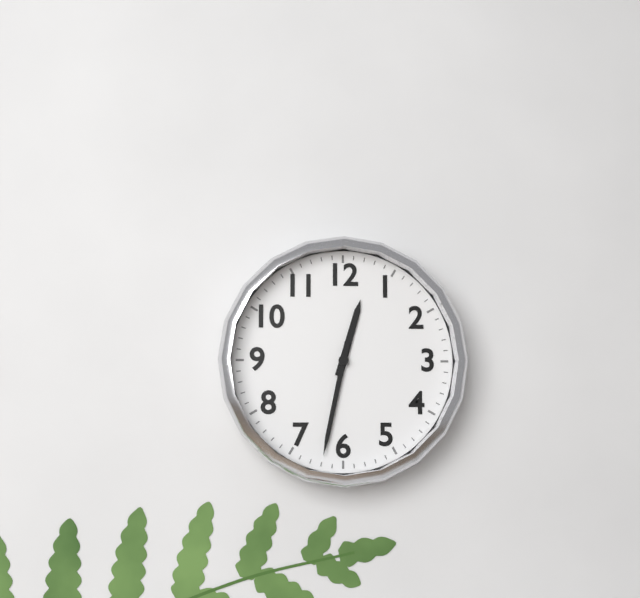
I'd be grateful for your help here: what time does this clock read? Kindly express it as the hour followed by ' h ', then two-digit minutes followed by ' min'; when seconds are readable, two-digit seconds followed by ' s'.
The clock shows 12 h 32 min
